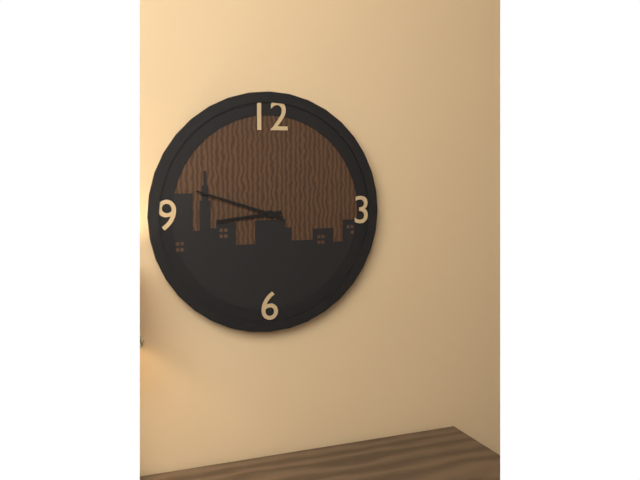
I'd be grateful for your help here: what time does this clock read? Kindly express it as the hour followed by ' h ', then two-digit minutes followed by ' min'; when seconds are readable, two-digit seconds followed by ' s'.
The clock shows 8 h 48 min
